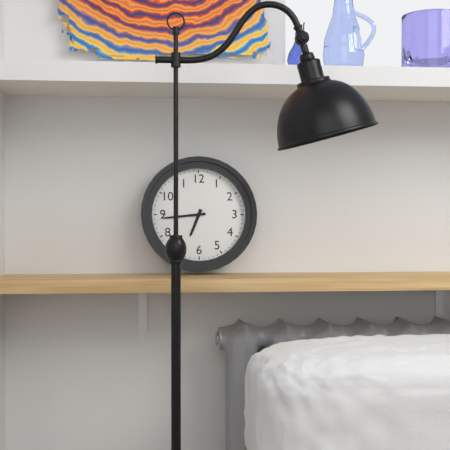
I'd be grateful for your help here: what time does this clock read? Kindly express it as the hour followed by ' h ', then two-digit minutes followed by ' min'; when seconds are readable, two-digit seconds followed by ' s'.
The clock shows 6 h 44 min
